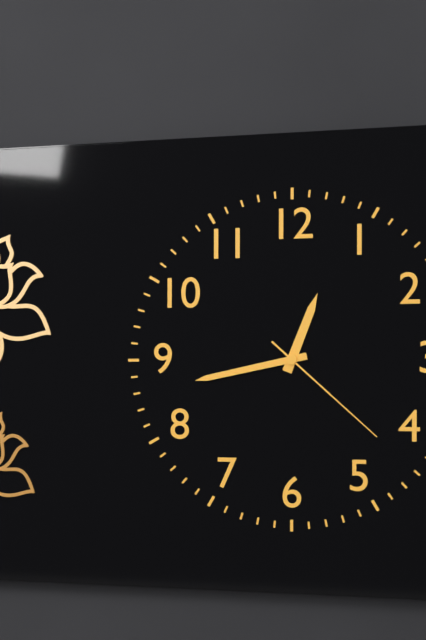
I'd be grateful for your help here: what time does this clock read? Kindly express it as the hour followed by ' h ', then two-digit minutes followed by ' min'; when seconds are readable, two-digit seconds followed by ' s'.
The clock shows 12 h 43 min 22 s
